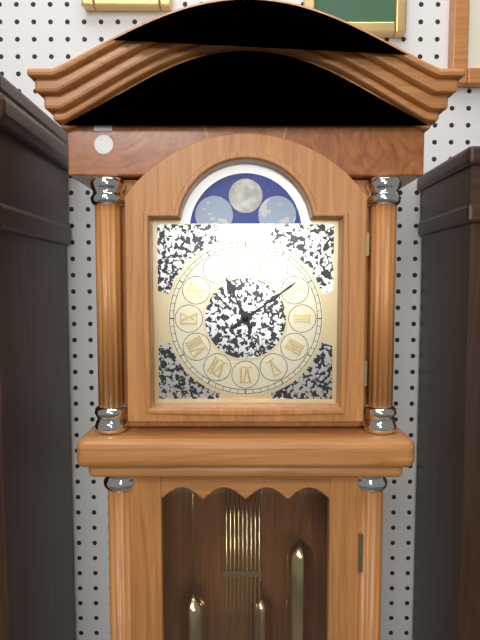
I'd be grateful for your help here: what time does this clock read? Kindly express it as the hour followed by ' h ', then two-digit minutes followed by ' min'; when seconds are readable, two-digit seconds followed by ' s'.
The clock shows 11 h 09 min
